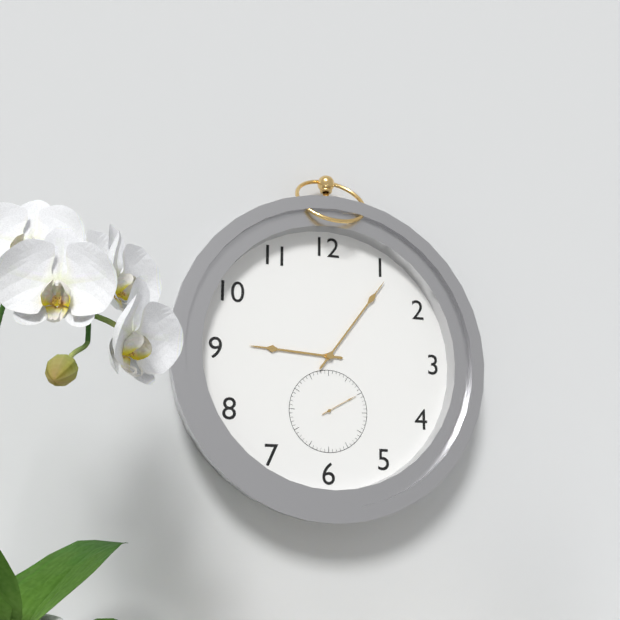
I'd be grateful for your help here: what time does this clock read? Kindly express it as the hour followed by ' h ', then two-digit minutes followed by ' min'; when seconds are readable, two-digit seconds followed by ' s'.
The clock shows 9 h 06 min
